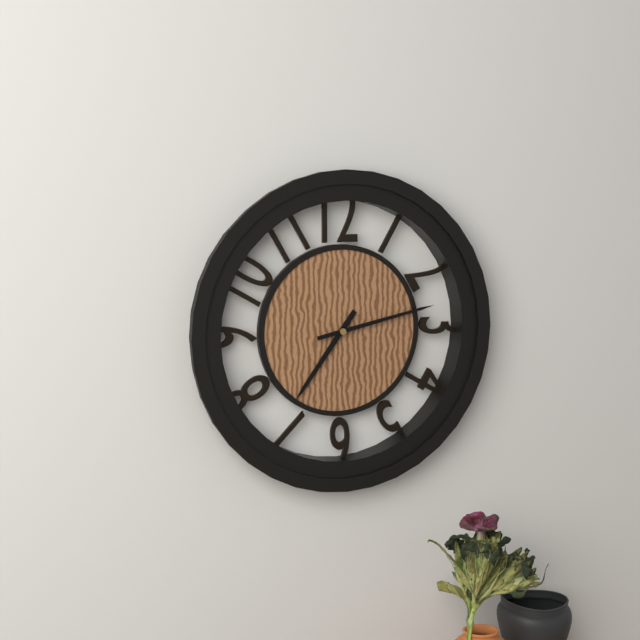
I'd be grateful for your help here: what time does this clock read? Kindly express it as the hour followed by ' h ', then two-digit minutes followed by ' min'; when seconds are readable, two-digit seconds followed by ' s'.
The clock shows 7 h 13 min
